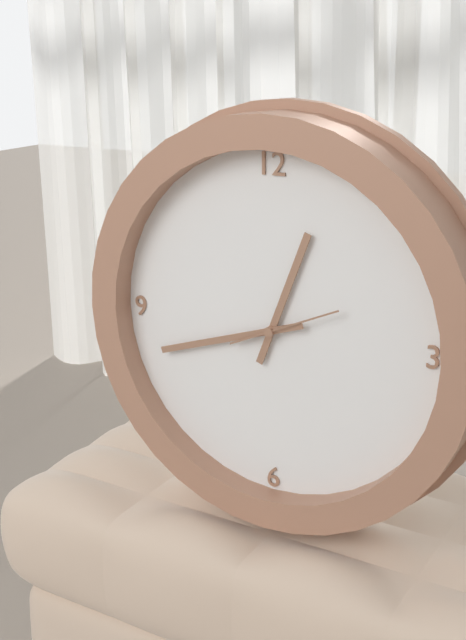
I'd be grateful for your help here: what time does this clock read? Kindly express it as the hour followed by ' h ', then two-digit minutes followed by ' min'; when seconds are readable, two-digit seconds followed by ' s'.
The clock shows 12 h 42 min 11 s
